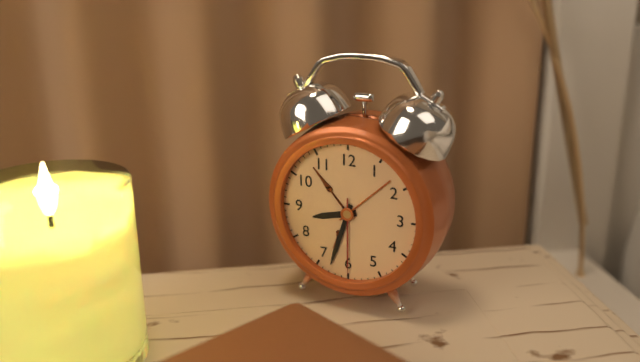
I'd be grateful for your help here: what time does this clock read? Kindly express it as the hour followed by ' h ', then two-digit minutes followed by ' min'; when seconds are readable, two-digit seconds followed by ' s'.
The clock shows 8 h 33 min 30 s
